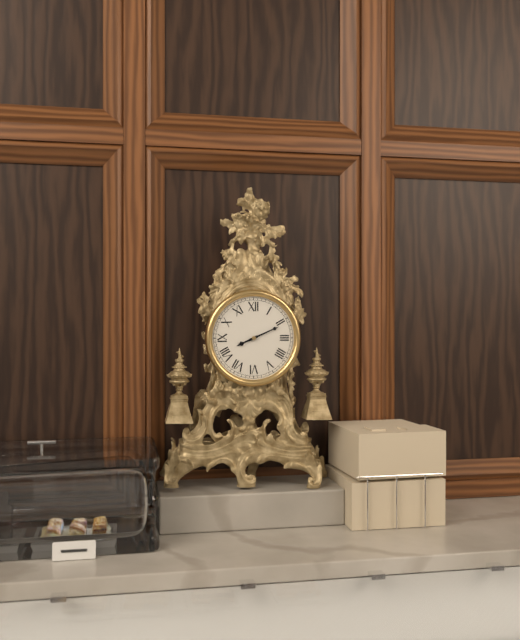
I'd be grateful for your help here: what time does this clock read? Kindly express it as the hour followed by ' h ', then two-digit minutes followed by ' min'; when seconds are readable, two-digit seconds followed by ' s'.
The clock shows 8 h 11 min
